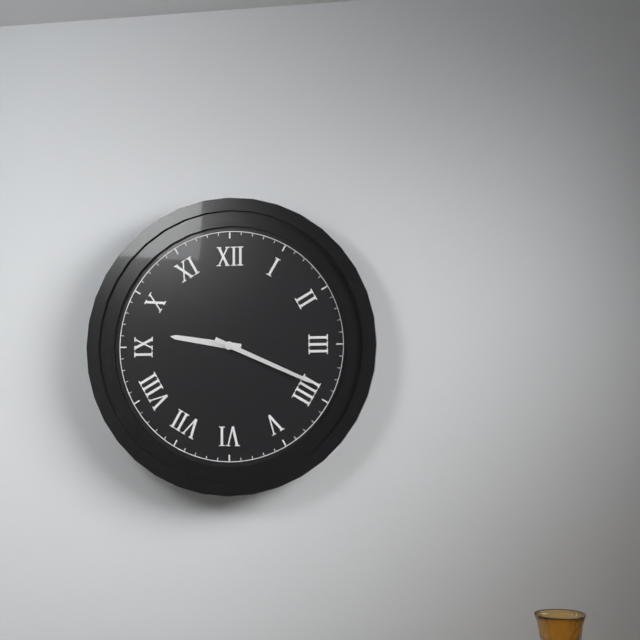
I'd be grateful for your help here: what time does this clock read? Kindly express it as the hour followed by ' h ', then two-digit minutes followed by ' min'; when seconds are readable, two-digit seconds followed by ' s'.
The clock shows 9 h 19 min
